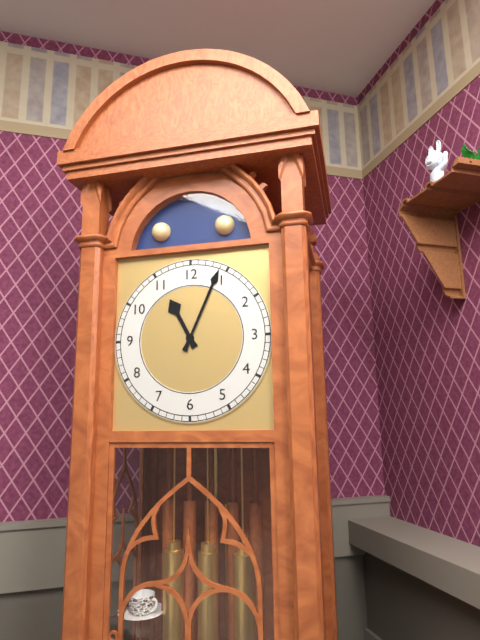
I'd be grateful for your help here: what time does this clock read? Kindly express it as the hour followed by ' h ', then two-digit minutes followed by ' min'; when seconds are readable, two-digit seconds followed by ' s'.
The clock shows 11 h 04 min
